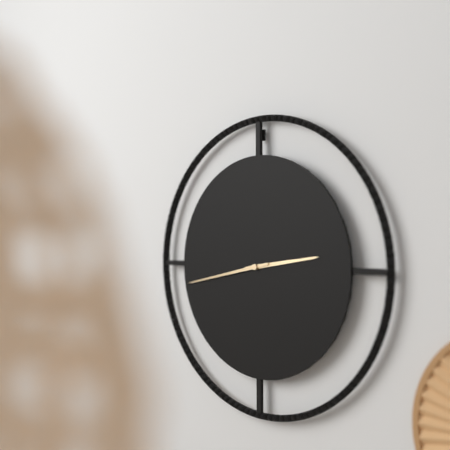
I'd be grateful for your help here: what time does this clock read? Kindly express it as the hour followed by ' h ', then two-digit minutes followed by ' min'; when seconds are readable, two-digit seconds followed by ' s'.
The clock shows 2 h 43 min
